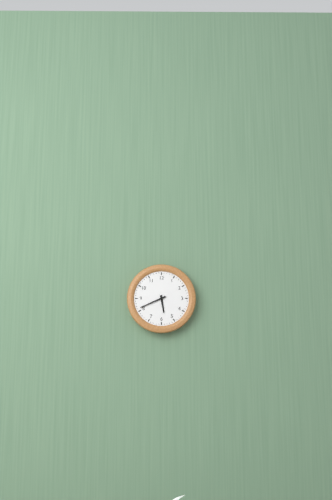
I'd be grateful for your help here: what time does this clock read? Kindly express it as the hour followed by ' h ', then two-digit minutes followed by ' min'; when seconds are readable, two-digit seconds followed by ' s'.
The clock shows 5 h 41 min
